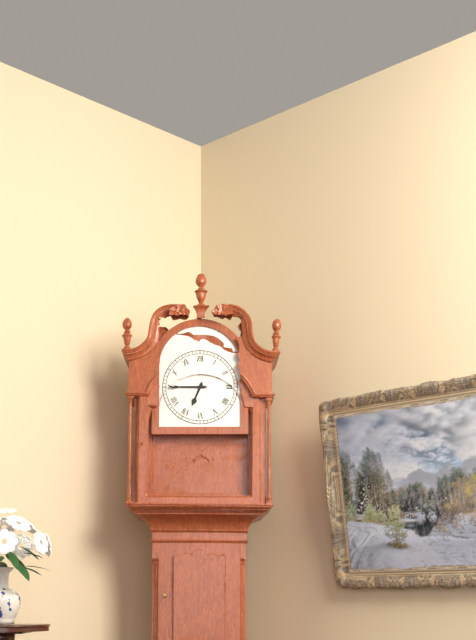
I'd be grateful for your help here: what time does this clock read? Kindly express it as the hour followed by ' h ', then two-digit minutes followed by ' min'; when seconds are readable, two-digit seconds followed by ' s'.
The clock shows 6 h 45 min
